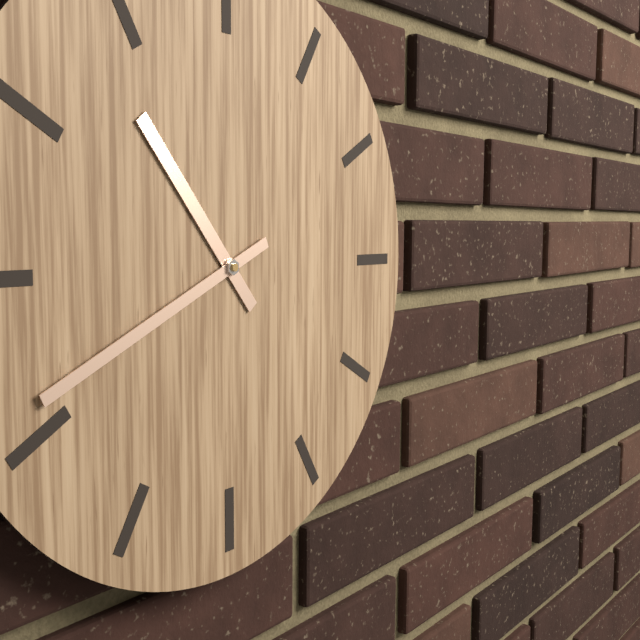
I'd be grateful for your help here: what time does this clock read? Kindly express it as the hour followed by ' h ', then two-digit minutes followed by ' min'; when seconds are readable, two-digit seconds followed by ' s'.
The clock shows 10 h 41 min
